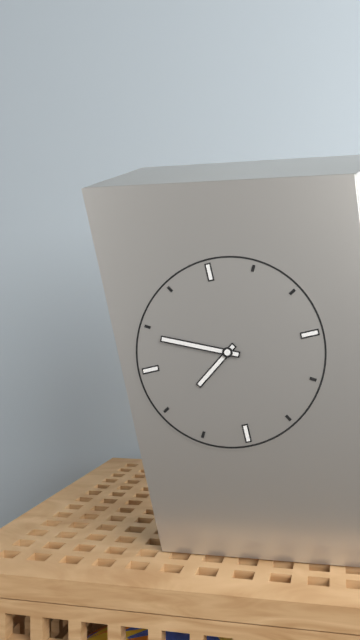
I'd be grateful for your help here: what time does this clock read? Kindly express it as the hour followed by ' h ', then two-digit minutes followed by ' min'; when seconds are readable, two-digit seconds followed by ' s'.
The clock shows 7 h 49 min
